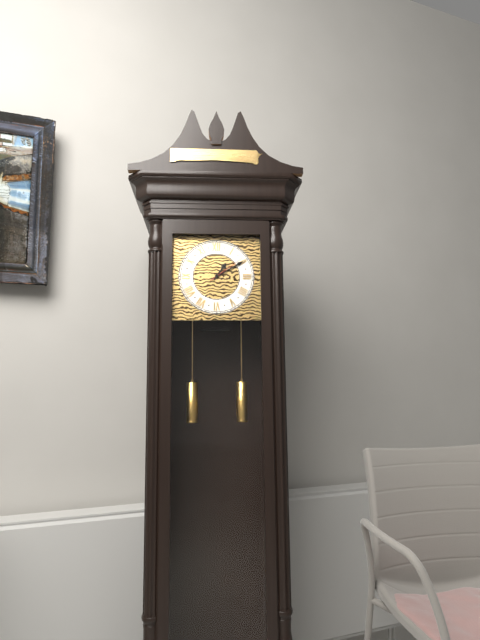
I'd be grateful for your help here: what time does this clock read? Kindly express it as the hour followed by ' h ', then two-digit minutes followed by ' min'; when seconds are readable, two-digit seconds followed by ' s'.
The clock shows 1 h 10 min
